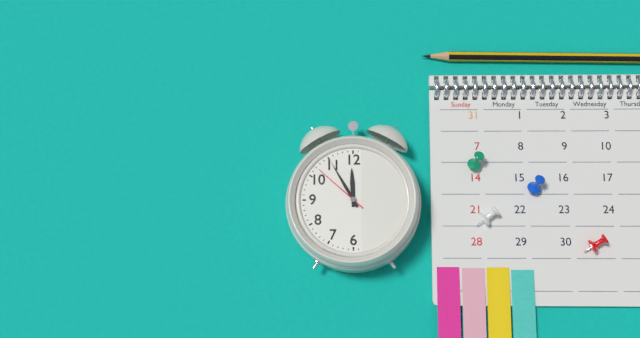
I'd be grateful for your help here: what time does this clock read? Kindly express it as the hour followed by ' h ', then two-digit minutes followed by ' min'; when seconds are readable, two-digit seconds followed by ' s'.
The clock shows 11 h 55 min 52 s
